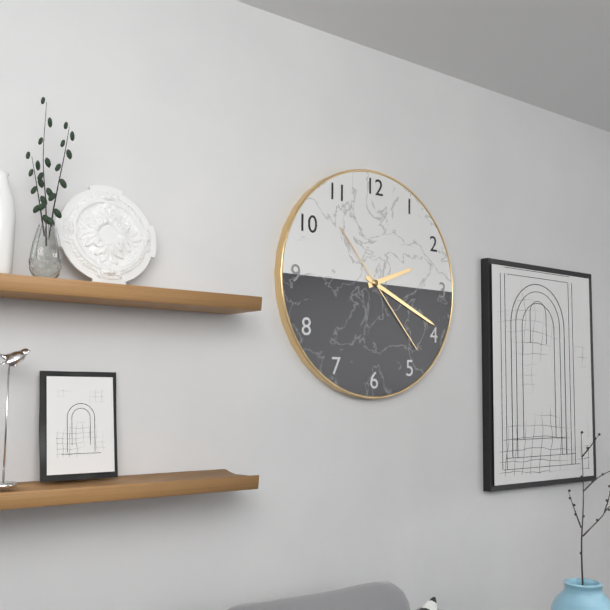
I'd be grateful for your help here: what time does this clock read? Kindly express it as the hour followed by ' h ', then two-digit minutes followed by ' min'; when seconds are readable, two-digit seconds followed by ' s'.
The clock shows 2 h 19 min 23 s
